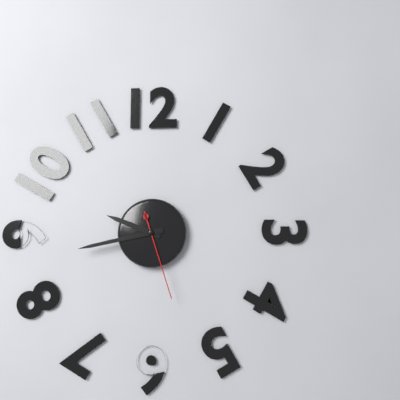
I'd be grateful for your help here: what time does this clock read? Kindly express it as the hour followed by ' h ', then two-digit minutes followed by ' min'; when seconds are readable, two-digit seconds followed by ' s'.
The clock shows 9 h 43 min 27 s
